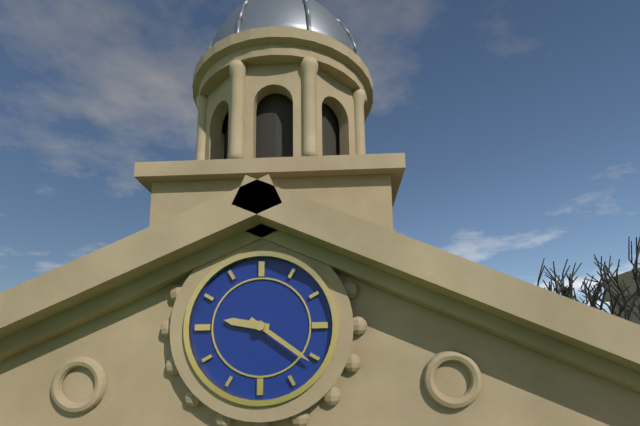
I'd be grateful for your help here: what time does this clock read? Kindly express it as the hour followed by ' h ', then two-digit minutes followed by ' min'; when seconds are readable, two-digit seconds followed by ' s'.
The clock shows 9 h 21 min
